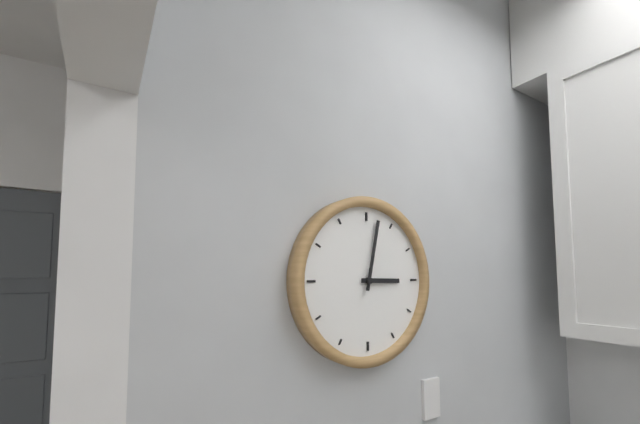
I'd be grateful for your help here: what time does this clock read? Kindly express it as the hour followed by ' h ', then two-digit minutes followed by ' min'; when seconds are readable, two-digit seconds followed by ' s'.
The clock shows 3 h 02 min
